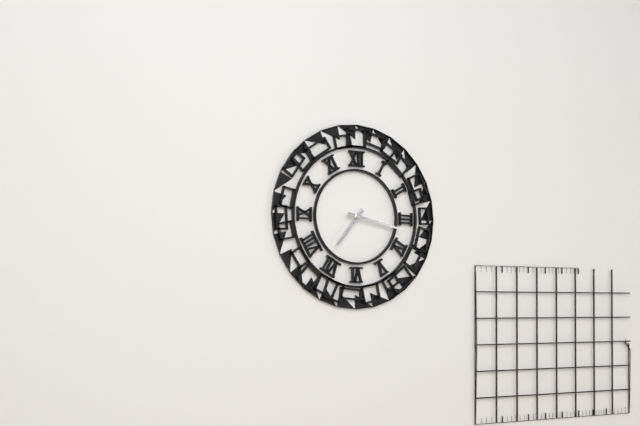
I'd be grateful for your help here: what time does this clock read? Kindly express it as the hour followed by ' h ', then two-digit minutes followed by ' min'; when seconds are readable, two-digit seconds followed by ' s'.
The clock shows 7 h 17 min
